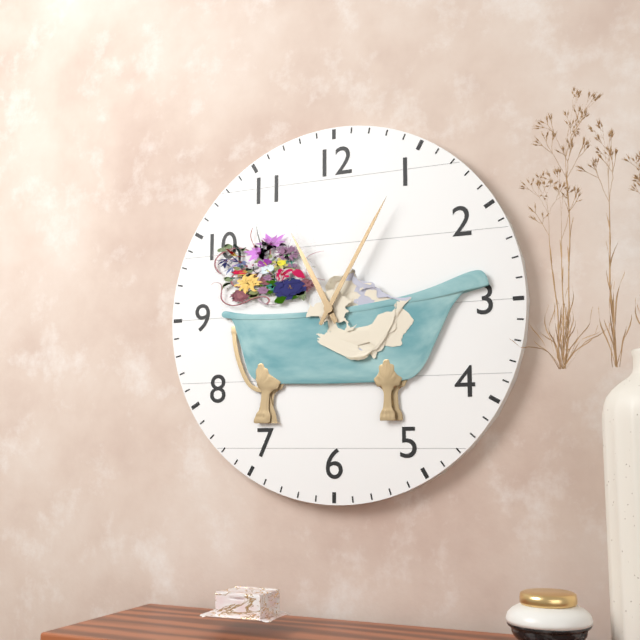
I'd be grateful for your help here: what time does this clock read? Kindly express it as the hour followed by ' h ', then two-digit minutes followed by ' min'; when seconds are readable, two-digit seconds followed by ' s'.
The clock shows 11 h 05 min
